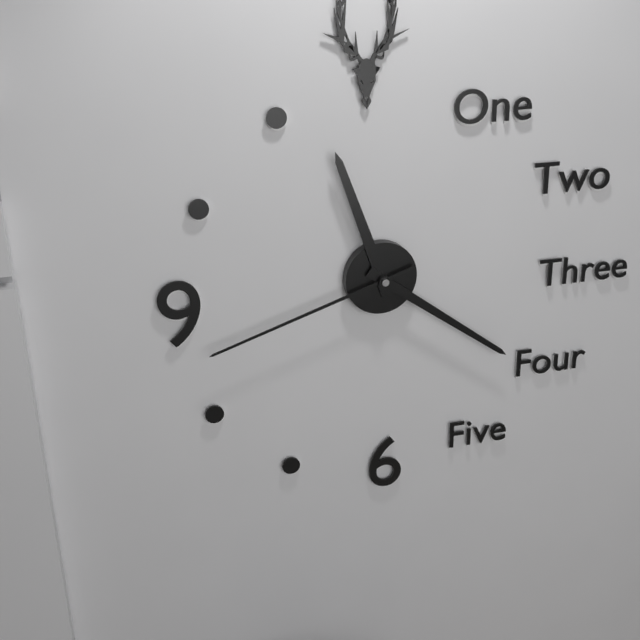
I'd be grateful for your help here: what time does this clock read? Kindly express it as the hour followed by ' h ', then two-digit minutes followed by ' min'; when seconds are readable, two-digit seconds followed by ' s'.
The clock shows 11 h 21 min 42 s
